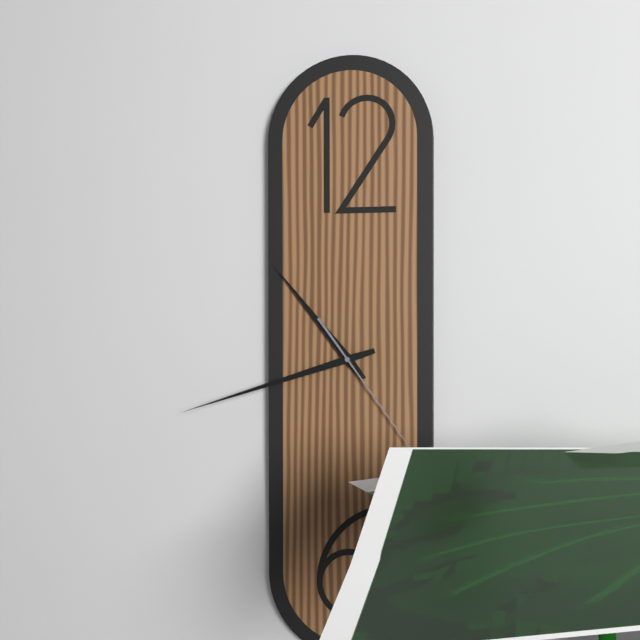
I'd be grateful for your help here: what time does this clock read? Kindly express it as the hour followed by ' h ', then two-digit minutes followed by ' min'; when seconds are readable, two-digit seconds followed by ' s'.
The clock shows 10 h 42 min
